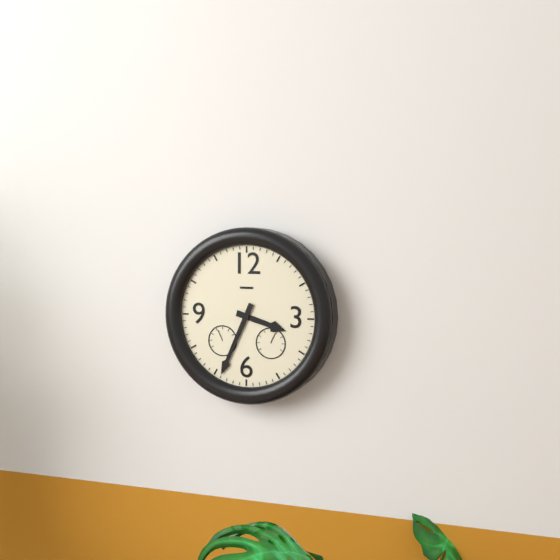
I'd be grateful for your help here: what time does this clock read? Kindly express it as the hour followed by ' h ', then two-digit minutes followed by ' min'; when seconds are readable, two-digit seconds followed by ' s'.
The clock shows 3 h 34 min
